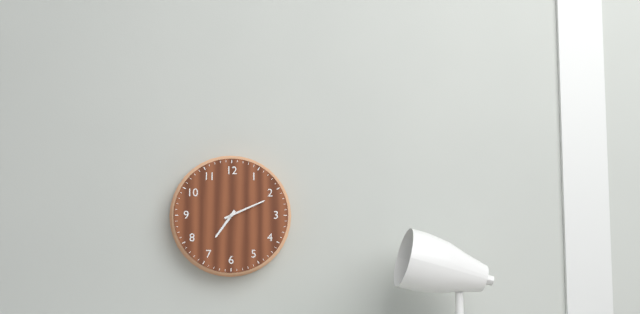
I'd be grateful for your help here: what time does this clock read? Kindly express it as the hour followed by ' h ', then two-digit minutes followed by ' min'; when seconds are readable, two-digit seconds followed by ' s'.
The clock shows 7 h 11 min
